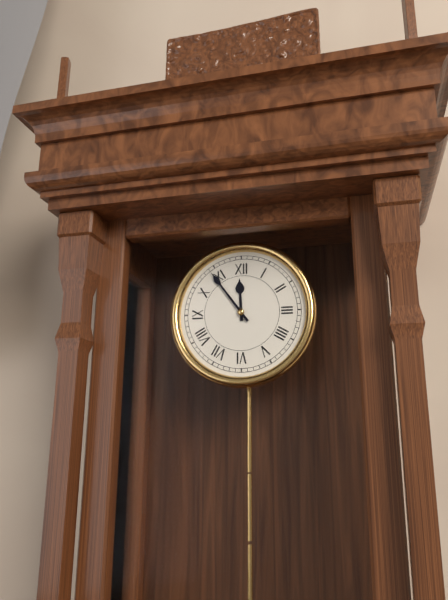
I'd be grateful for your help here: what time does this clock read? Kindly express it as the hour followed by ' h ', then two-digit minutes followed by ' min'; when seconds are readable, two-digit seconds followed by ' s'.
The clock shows 11 h 54 min
